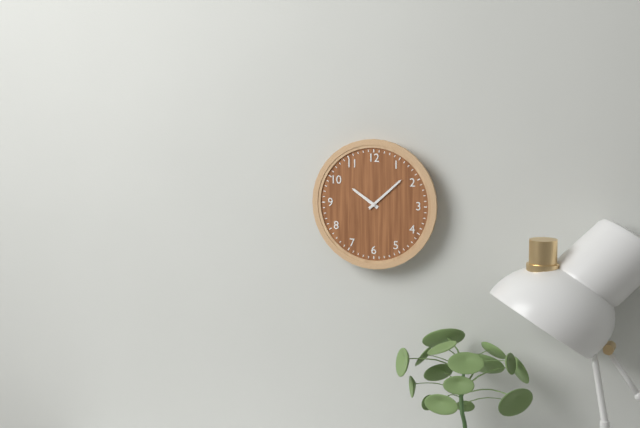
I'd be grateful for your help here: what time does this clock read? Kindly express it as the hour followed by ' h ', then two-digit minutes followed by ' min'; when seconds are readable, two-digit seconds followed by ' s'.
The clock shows 10 h 08 min
